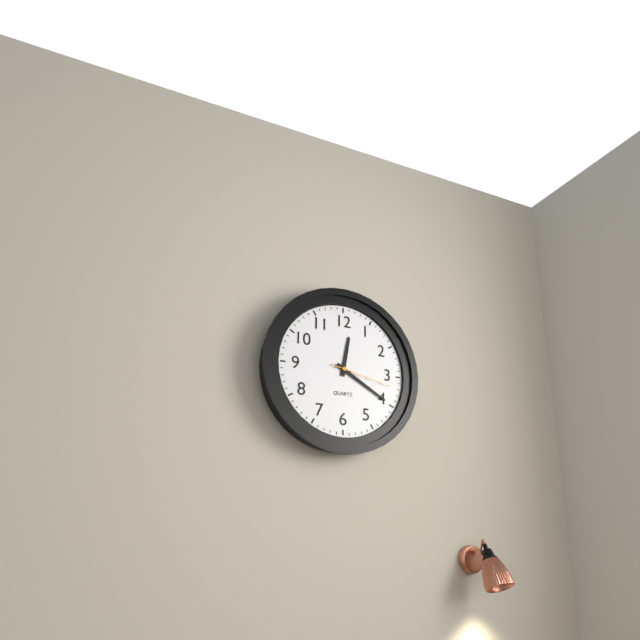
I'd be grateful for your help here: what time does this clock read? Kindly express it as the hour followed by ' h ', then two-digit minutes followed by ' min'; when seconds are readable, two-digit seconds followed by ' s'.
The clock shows 12 h 20 min 17 s
